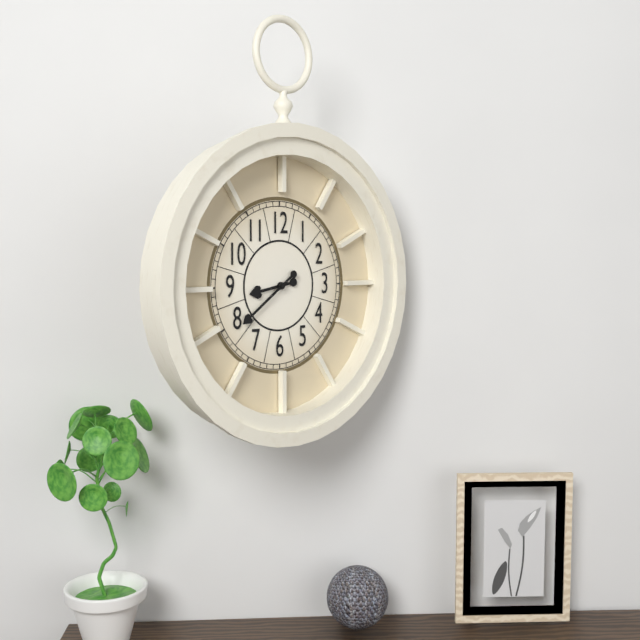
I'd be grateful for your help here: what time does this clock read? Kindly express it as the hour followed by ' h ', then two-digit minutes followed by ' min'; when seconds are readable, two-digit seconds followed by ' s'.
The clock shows 8 h 39 min
